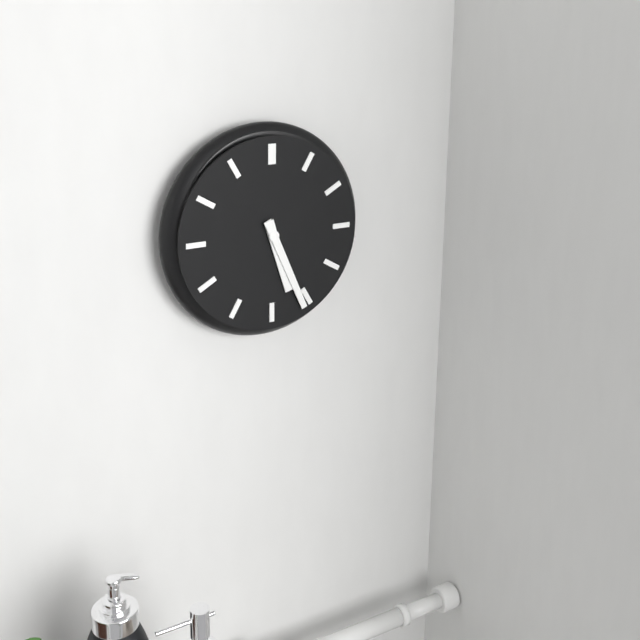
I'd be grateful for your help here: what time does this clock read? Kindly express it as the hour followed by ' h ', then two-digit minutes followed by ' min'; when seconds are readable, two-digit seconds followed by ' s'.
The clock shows 5 h 26 min
